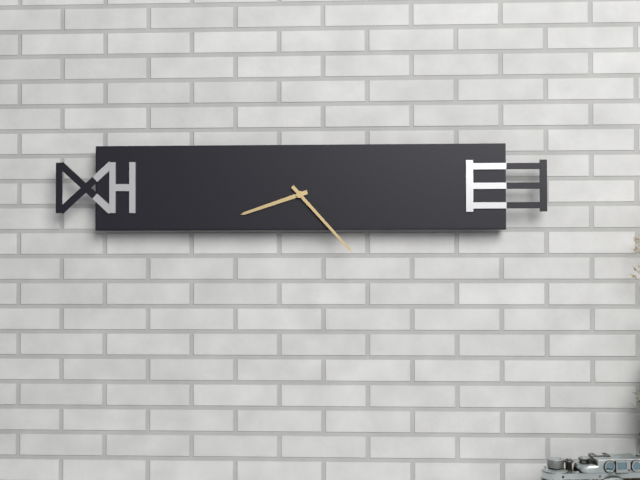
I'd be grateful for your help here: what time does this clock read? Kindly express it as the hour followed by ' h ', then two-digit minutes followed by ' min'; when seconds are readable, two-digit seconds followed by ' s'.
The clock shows 8 h 23 min
